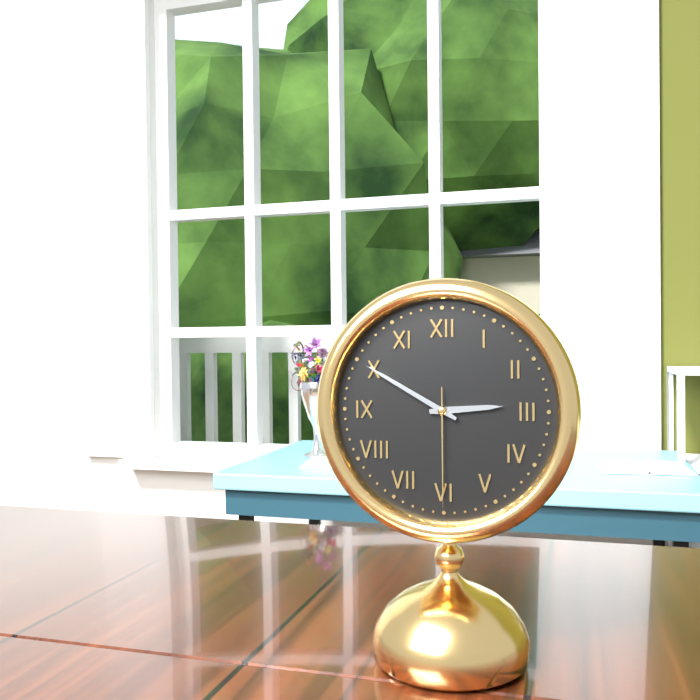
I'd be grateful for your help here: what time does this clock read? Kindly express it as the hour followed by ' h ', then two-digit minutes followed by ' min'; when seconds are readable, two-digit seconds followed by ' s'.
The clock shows 2 h 50 min 30 s
